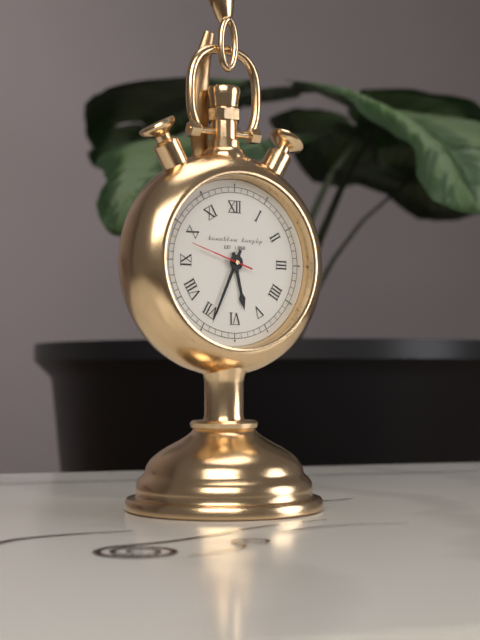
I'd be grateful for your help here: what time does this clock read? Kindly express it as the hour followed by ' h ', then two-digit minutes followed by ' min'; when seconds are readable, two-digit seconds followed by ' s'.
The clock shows 5 h 34 min
